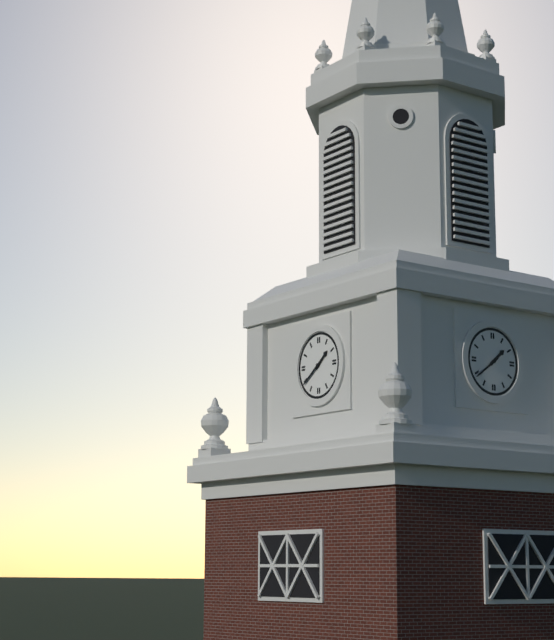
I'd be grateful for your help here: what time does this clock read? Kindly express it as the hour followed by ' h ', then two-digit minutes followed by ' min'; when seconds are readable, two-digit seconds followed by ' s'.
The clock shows 1 h 39 min
